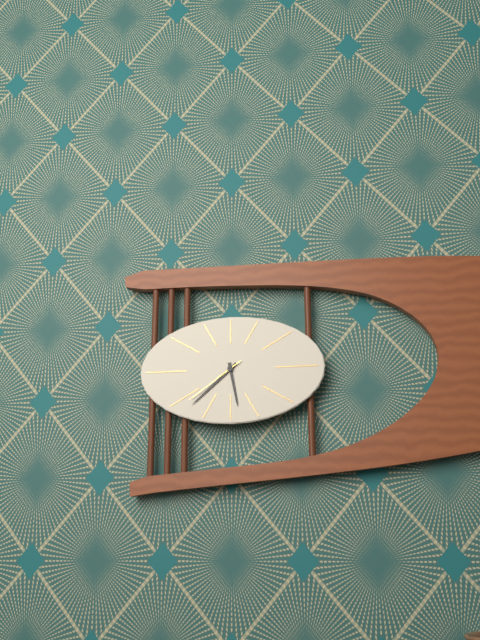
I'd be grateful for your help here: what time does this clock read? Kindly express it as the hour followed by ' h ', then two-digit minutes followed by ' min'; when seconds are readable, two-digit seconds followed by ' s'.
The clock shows 5 h 38 min 39 s
